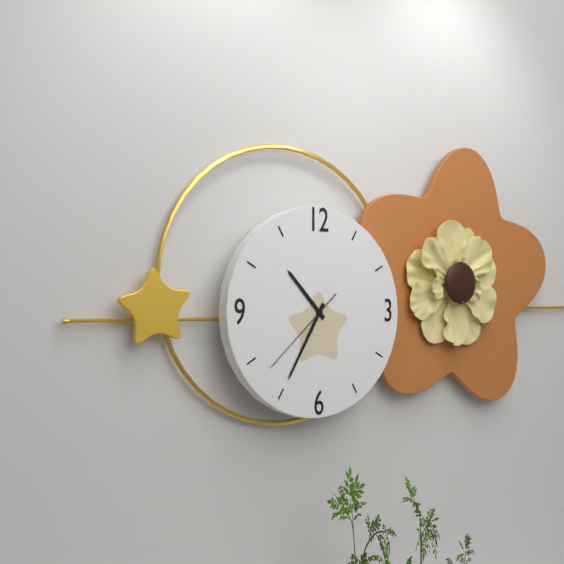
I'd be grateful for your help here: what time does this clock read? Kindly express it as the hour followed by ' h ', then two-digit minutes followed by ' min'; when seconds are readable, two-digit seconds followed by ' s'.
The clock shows 10 h 35 min 38 s
